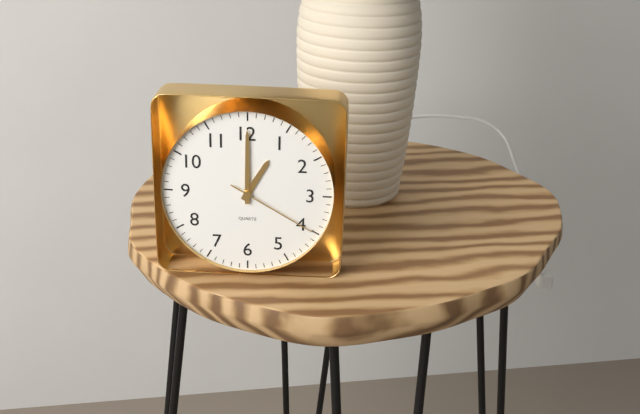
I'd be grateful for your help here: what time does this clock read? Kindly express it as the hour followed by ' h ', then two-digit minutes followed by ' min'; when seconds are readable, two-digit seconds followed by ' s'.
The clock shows 1 h 00 min 20 s
